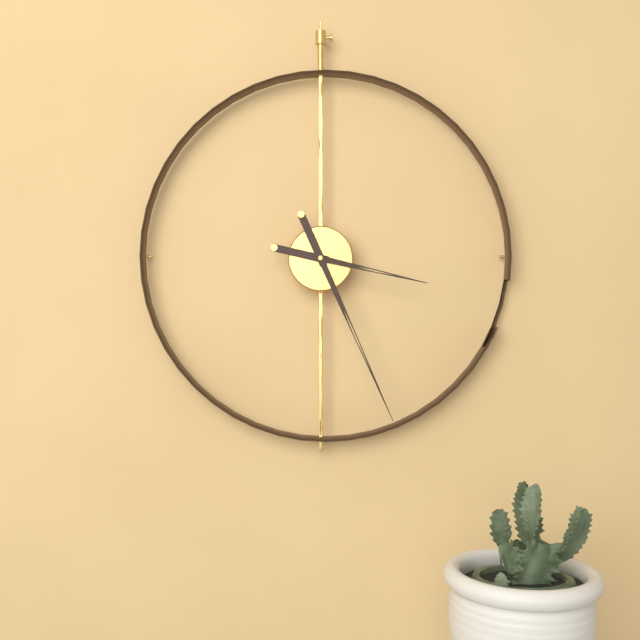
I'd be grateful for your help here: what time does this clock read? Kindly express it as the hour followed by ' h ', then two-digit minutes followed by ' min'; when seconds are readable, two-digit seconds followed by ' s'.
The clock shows 3 h 26 min
